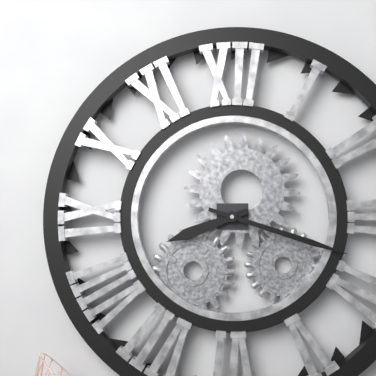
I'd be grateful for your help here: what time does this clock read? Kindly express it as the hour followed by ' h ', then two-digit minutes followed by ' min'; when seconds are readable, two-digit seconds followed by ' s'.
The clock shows 8 h 18 min
